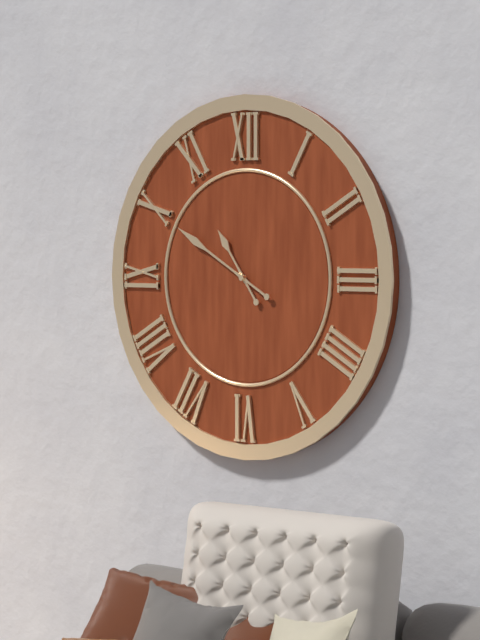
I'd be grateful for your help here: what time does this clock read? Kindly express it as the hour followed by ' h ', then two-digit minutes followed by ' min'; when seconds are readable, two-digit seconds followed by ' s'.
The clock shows 10 h 50 min
